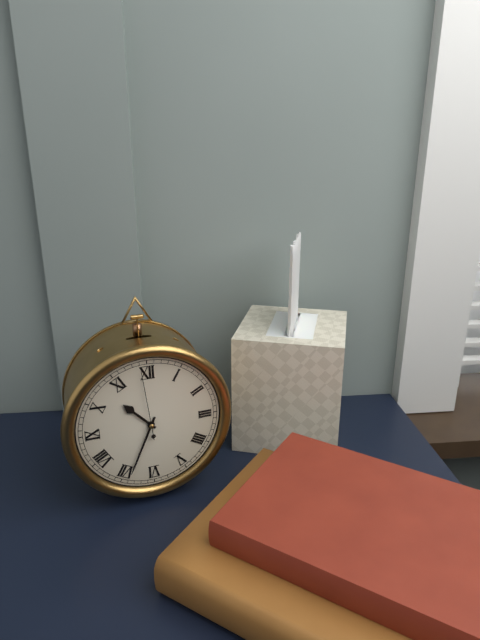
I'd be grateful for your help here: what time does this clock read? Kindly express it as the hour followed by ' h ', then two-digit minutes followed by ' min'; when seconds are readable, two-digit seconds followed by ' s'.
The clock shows 10 h 34 min 59 s
